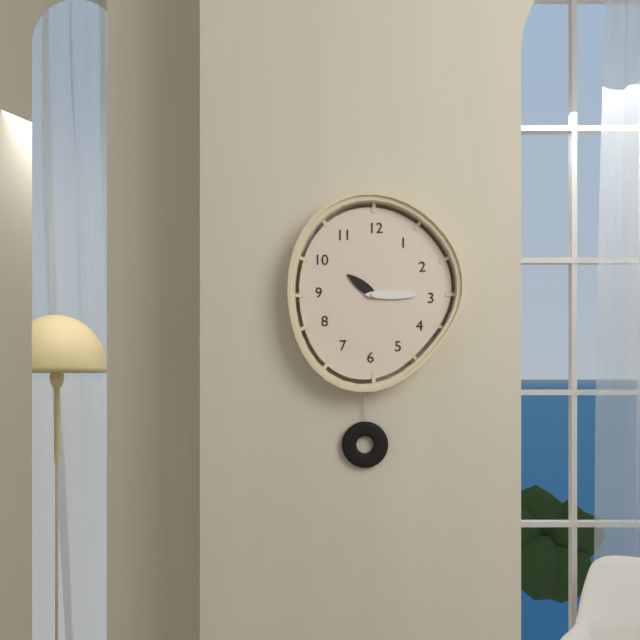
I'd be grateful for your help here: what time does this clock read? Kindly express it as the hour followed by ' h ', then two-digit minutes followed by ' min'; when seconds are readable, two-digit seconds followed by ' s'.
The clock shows 10 h 15 min
